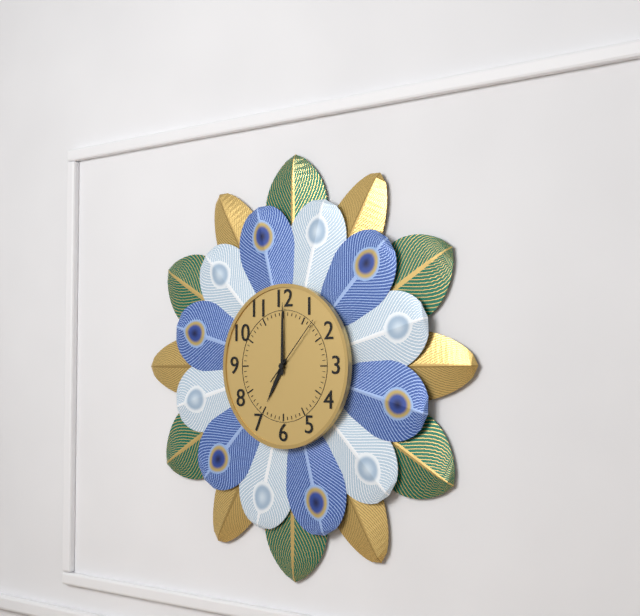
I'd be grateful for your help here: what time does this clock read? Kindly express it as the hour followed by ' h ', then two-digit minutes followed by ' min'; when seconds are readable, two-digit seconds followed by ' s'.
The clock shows 7 h 00 min 07 s
